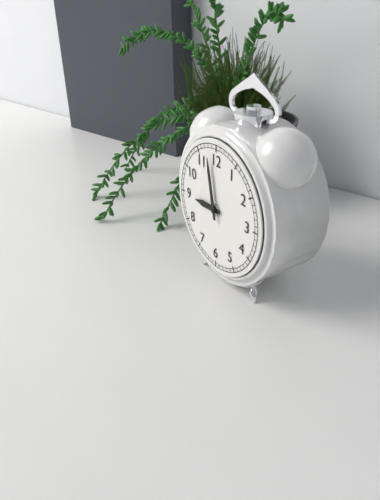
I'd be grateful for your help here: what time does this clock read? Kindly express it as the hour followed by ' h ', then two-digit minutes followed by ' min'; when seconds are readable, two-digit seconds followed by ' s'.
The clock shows 8 h 58 min
